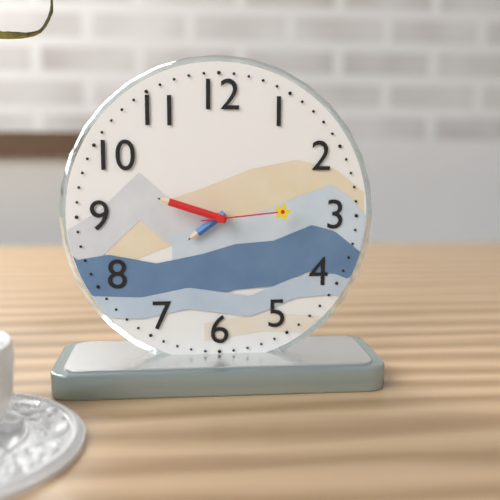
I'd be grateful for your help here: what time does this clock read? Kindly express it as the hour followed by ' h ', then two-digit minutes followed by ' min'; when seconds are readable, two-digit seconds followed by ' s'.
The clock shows 7 h 48 min 14 s
